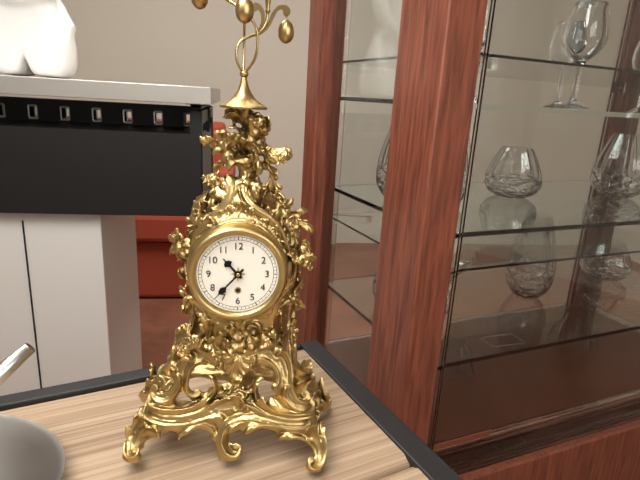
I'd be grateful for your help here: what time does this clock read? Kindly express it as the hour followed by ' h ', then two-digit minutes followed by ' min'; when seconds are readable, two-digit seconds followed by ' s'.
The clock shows 10 h 37 min
